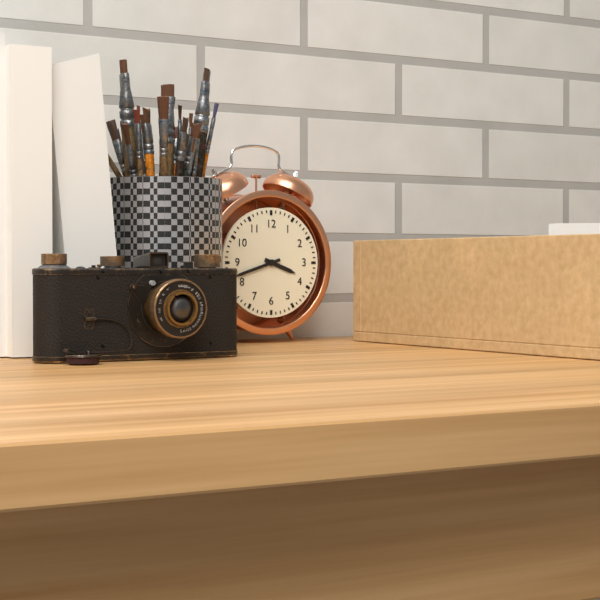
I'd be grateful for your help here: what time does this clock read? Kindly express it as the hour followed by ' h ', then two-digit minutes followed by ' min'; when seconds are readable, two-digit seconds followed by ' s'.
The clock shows 3 h 42 min
